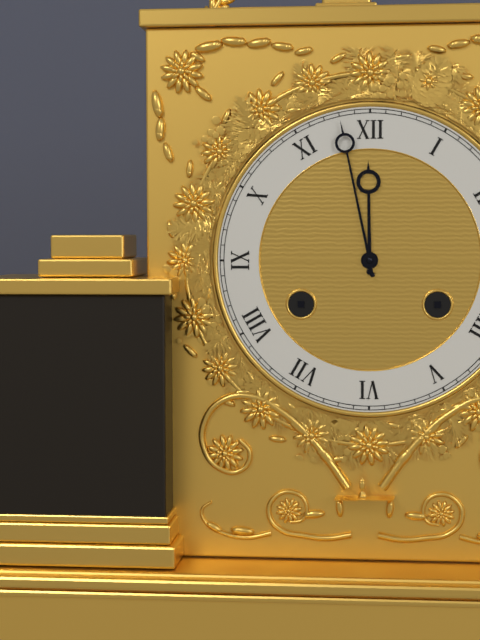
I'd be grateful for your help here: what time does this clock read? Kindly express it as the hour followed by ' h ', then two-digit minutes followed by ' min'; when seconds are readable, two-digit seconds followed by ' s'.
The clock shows 11 h 58 min
